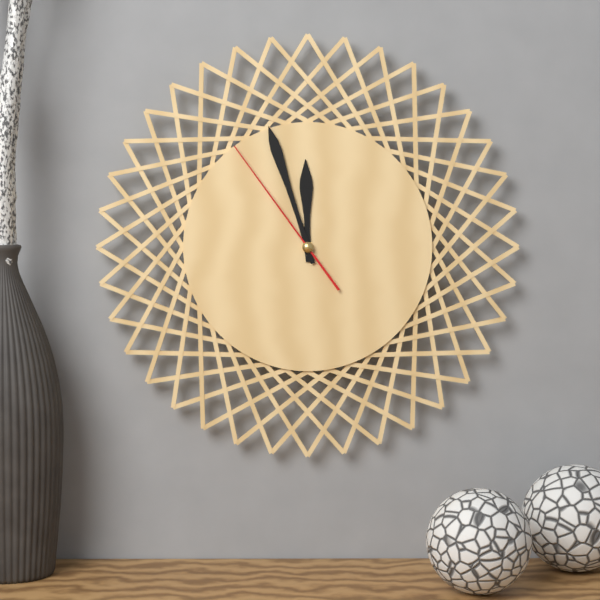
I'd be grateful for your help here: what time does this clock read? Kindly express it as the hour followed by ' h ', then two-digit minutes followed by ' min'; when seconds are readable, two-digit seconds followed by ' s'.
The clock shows 11 h 57 min 54 s
